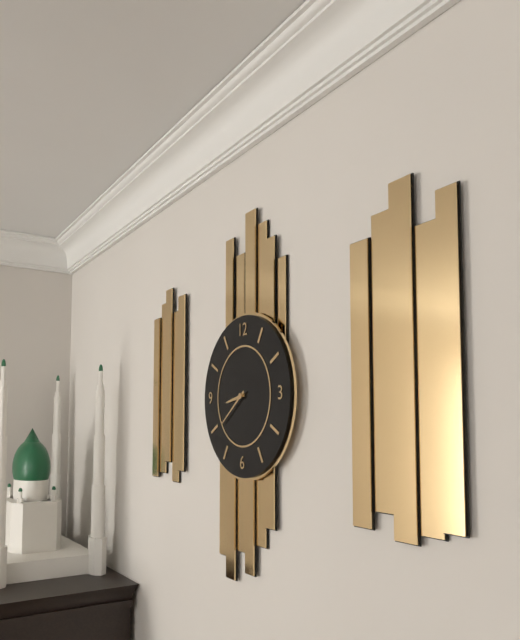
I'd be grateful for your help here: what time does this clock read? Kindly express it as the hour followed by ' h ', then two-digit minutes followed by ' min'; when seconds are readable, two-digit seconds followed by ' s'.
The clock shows 8 h 39 min
